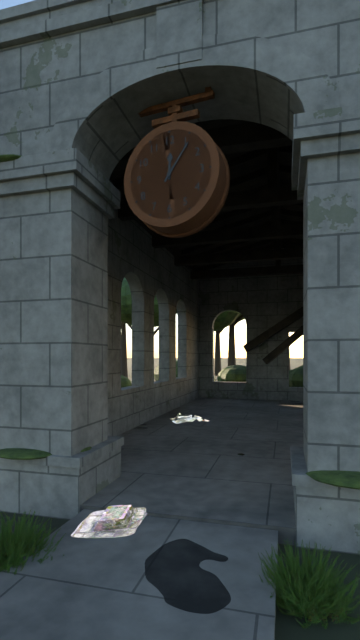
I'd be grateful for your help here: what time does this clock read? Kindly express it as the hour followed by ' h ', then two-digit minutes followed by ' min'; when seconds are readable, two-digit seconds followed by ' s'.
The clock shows 12 h 06 min
